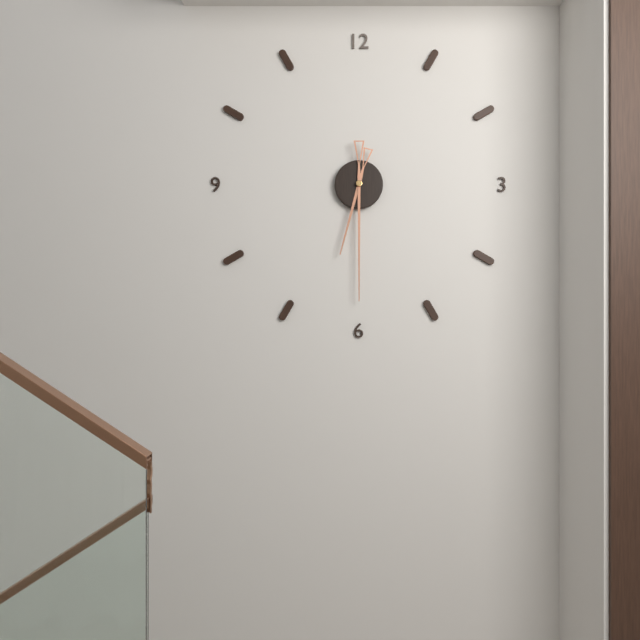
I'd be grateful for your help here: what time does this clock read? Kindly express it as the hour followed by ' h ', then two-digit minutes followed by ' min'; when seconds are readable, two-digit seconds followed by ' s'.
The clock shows 6 h 30 min
